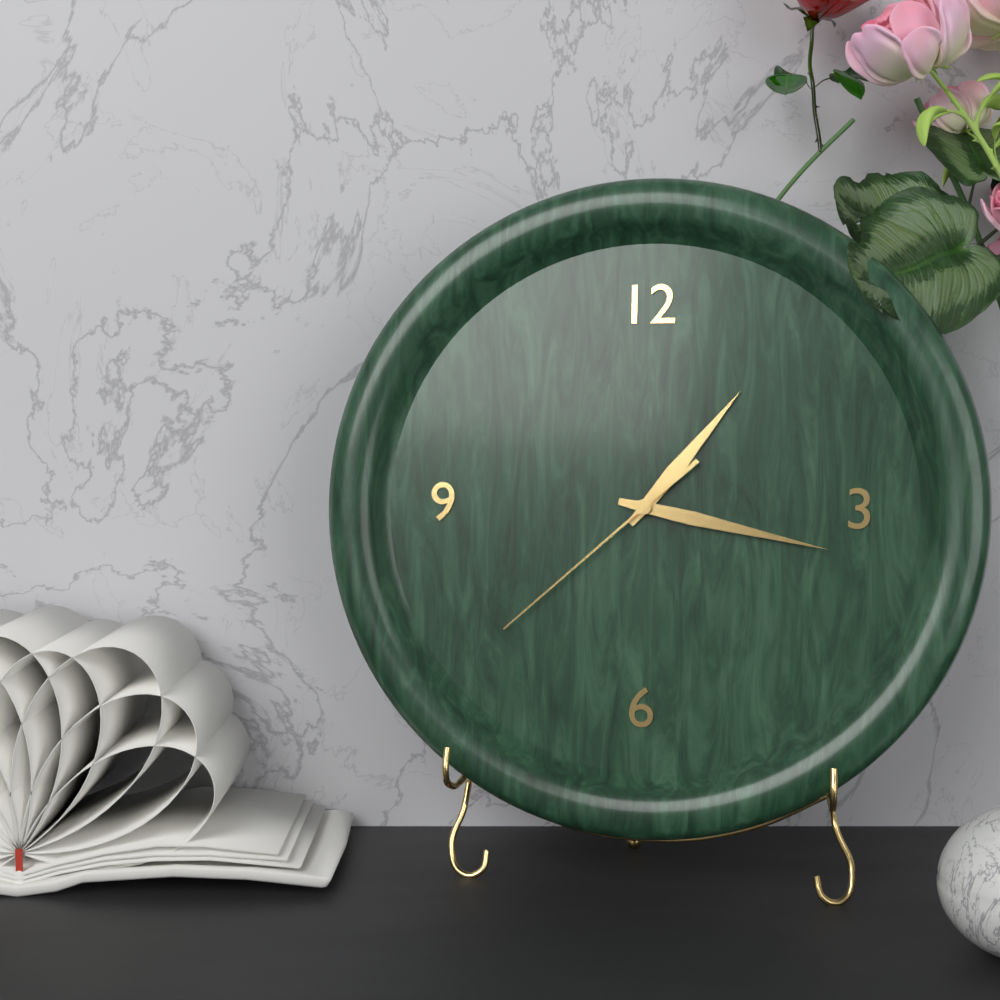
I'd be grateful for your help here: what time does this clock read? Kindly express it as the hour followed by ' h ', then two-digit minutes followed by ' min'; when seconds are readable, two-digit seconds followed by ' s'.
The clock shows 1 h 17 min 38 s
